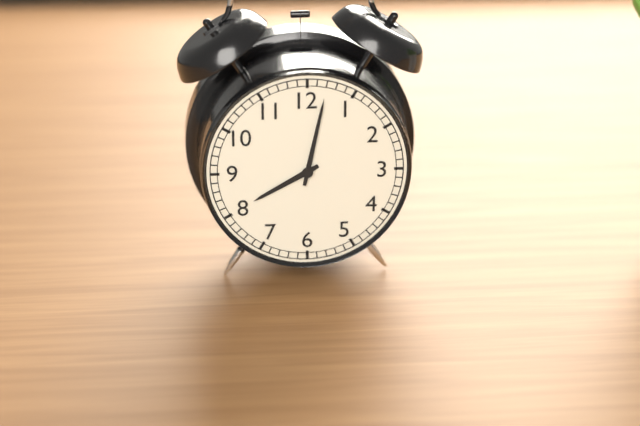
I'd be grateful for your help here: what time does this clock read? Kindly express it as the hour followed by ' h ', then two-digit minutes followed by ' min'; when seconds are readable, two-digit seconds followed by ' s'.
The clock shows 8 h 02 min
